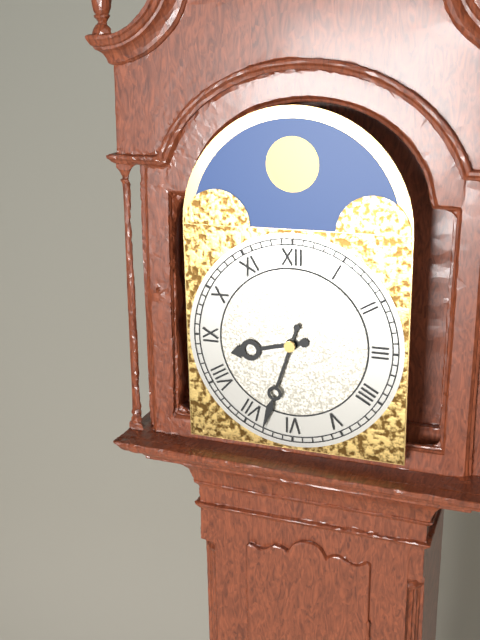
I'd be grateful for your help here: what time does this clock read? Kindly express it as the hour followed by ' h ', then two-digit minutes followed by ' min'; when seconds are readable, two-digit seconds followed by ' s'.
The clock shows 8 h 33 min
